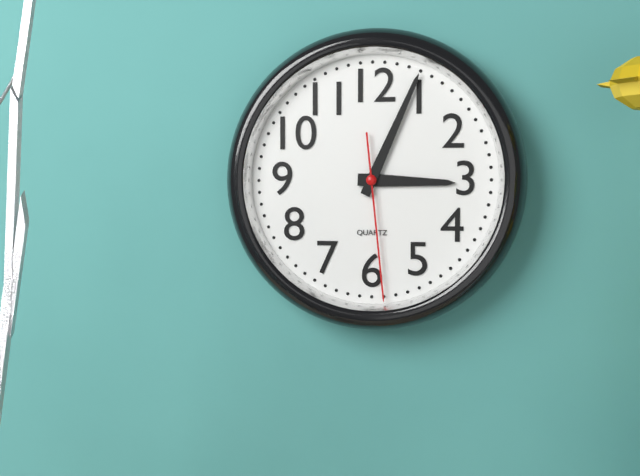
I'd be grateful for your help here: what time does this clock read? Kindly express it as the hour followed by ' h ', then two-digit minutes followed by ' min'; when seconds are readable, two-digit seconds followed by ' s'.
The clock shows 3 h 04 min 29 s
